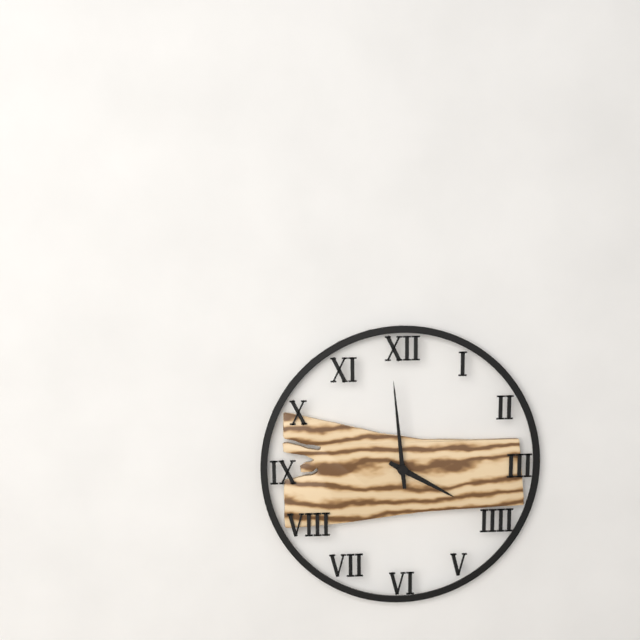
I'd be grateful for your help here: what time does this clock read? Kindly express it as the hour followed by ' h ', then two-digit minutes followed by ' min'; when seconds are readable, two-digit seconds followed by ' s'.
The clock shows 3 h 59 min
